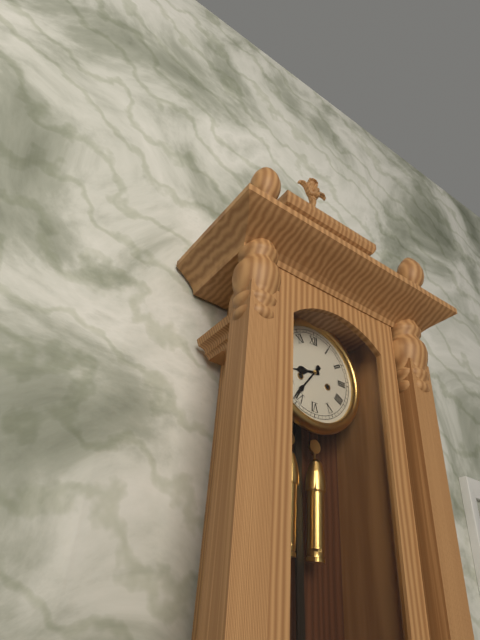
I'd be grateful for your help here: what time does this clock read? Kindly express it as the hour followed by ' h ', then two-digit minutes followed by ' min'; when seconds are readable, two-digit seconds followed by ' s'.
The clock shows 8 h 36 min
